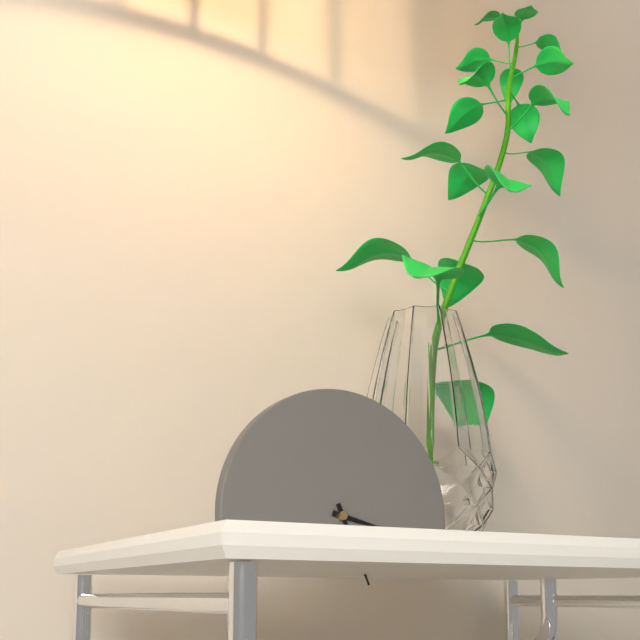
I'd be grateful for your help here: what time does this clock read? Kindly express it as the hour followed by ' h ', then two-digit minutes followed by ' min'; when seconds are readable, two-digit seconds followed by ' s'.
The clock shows 3 h 26 min
